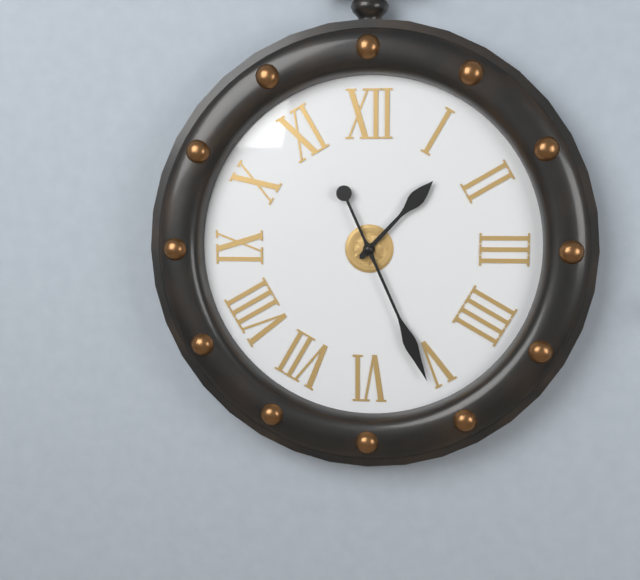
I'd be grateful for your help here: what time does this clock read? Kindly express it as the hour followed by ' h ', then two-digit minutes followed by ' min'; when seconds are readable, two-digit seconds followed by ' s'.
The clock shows 1 h 26 min
